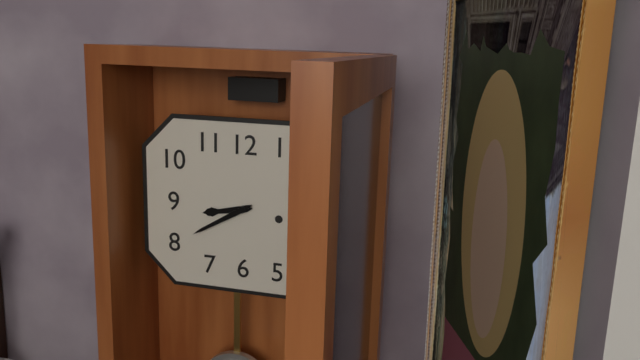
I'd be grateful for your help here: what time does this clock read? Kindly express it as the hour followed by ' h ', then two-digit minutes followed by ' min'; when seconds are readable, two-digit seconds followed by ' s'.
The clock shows 8 h 40 min
